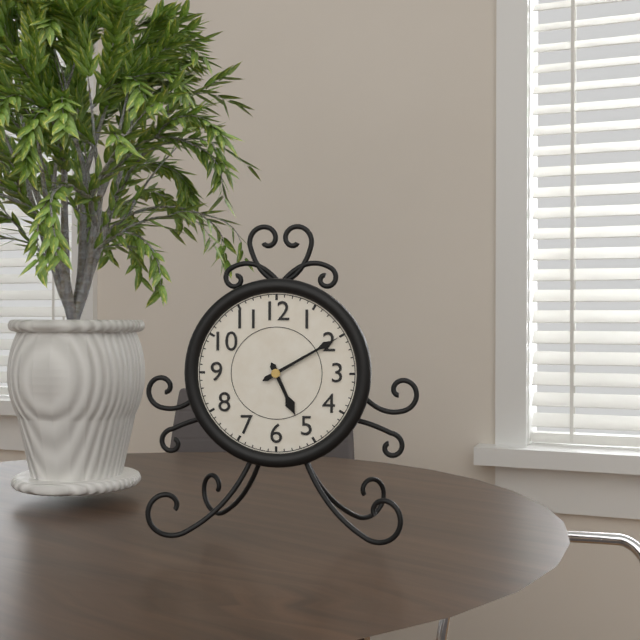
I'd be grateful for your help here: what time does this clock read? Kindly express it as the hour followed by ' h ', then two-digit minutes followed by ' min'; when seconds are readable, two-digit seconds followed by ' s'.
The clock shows 5 h 10 min
